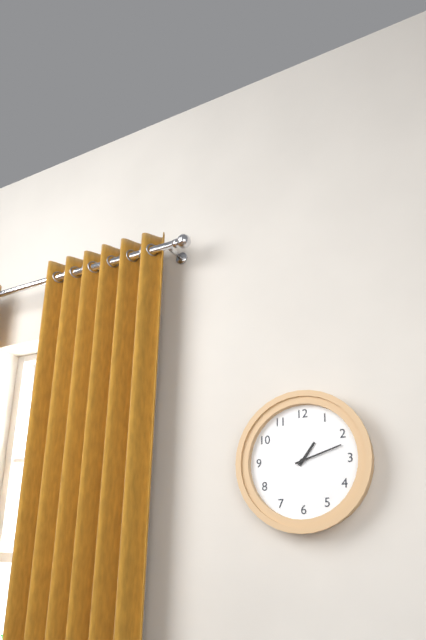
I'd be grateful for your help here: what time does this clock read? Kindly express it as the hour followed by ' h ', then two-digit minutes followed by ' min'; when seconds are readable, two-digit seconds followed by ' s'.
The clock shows 1 h 12 min
